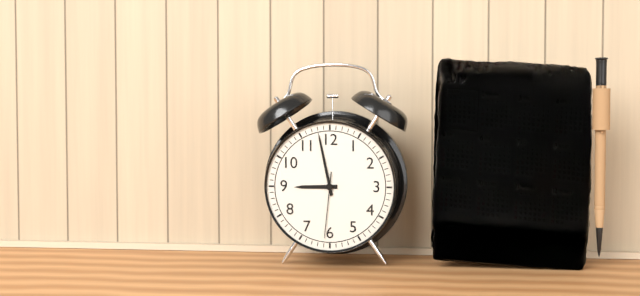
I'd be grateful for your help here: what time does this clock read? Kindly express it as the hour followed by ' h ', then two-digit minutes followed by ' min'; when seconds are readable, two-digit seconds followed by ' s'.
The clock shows 8 h 58 min 31 s
